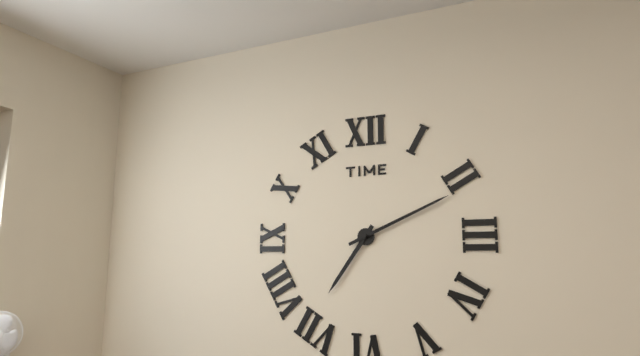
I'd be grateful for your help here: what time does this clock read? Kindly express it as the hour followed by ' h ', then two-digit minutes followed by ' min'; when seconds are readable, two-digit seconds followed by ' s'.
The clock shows 7 h 11 min
